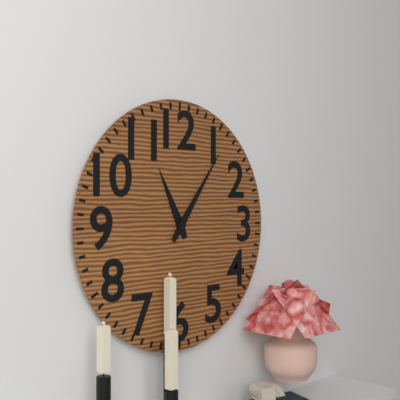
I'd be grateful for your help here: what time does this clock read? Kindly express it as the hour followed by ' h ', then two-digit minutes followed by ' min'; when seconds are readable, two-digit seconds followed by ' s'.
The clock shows 11 h 06 min
